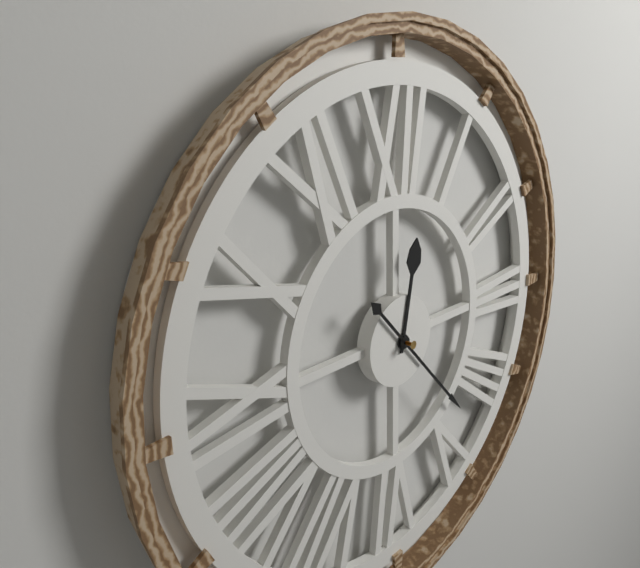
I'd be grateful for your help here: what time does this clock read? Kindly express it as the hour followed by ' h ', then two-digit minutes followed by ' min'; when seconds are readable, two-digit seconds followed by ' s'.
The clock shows 12 h 23 min
